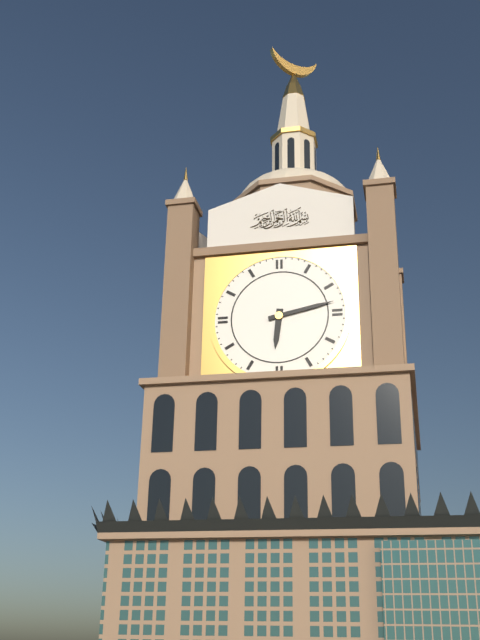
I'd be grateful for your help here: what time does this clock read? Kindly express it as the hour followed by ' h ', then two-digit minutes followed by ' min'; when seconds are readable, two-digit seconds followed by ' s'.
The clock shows 6 h 13 min
